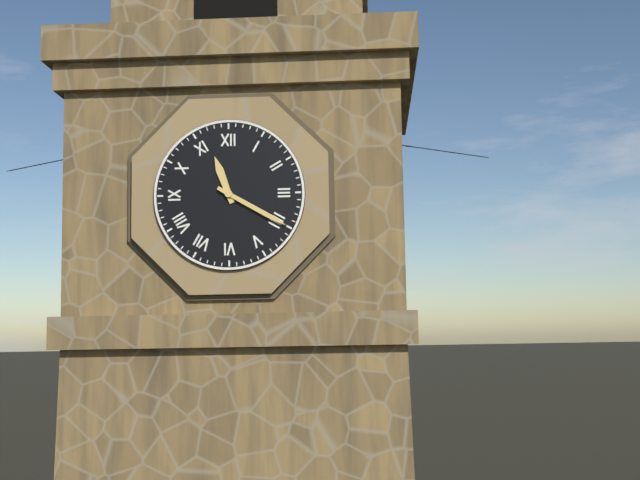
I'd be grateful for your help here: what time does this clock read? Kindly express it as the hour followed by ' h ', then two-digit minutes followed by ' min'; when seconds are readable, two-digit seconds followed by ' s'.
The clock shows 11 h 20 min
